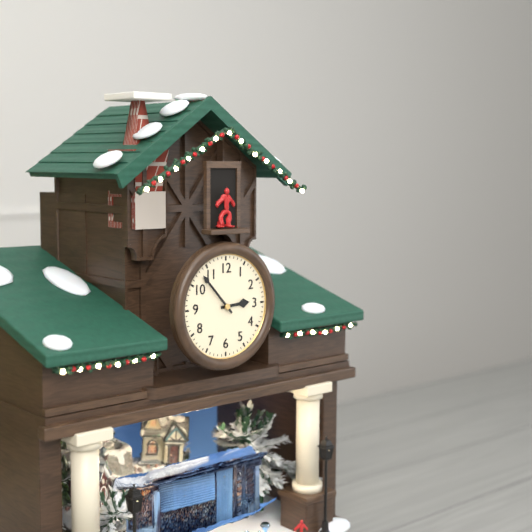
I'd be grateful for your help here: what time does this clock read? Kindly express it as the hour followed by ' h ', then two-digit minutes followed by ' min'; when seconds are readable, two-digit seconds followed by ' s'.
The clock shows 2 h 53 min
